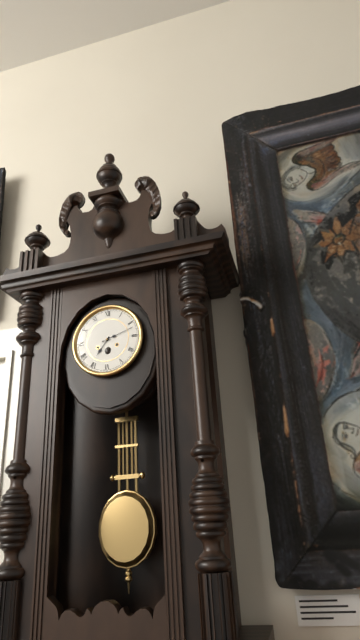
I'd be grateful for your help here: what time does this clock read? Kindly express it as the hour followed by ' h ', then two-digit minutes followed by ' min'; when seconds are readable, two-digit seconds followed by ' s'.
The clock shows 7 h 12 min
